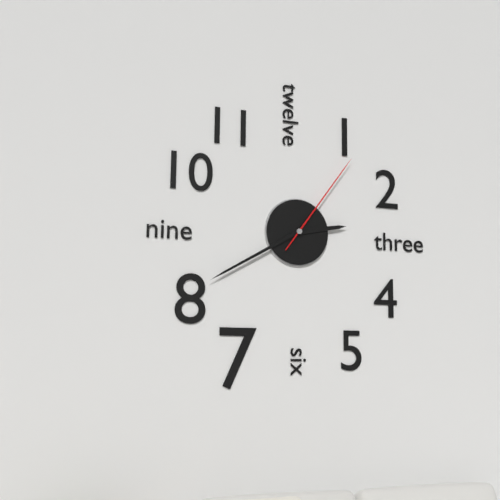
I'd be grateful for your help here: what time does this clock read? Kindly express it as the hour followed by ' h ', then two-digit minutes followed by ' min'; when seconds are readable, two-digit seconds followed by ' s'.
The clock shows 2 h 40 min 06 s
